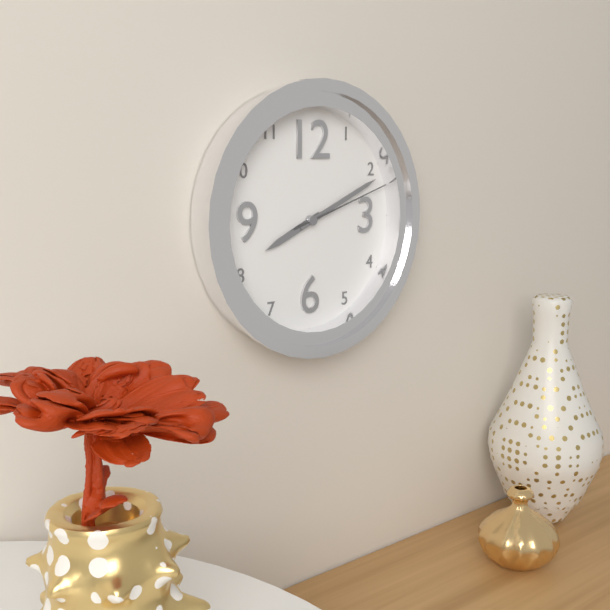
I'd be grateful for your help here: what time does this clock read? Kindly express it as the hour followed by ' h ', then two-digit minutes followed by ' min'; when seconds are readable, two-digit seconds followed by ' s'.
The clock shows 8 h 11 min 12 s
